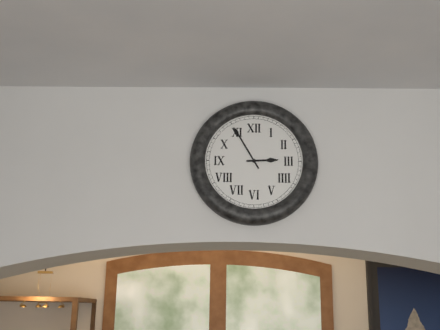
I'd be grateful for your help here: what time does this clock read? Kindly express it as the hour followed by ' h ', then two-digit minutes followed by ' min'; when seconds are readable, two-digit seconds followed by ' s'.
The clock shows 2 h 55 min
